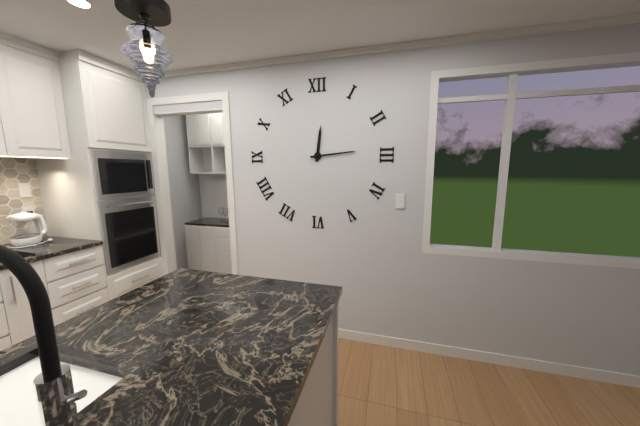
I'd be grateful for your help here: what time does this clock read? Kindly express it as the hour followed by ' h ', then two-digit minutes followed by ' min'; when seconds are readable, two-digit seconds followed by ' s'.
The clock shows 12 h 14 min
